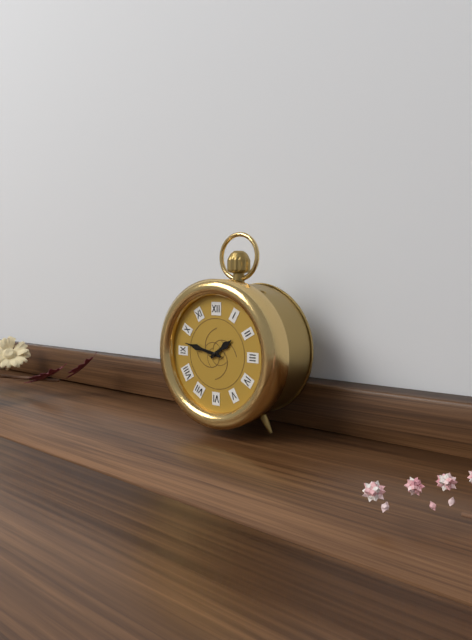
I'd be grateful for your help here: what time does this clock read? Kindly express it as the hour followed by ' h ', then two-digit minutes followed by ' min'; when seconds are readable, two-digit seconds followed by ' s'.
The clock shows 1 h 47 min
